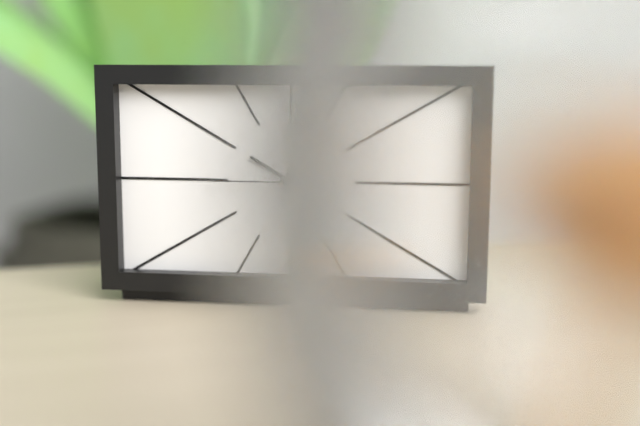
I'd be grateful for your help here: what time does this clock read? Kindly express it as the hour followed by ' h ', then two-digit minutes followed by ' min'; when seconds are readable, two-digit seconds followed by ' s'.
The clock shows 10 h 01 min 45 s
